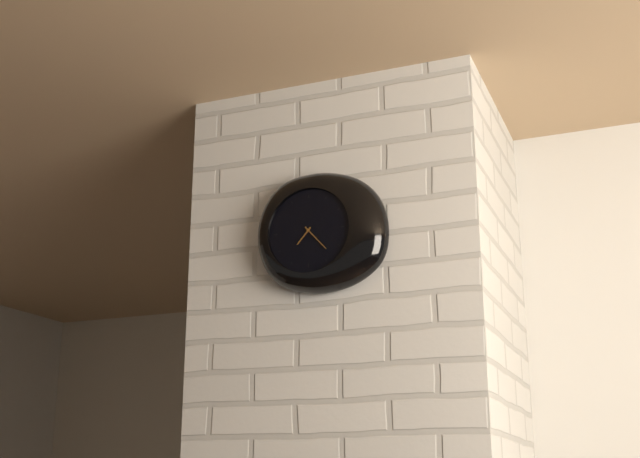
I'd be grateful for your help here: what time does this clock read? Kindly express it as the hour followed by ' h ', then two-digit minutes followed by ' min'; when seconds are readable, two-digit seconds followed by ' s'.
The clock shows 7 h 23 min
